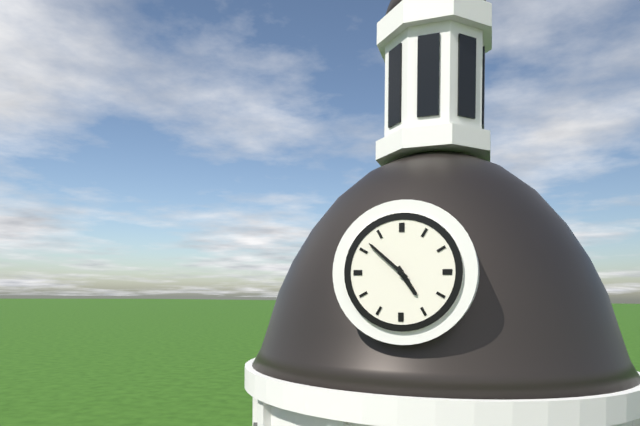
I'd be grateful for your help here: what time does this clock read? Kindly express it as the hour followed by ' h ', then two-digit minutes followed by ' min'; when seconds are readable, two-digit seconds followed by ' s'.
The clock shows 4 h 52 min
